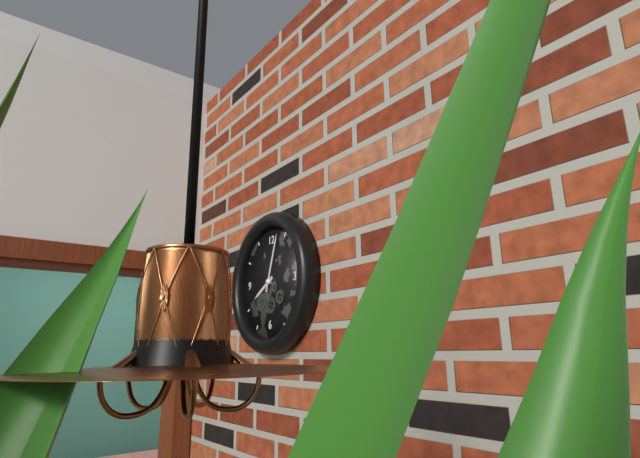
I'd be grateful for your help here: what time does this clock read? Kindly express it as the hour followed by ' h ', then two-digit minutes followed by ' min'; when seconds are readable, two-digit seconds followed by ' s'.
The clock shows 8 h 03 min
